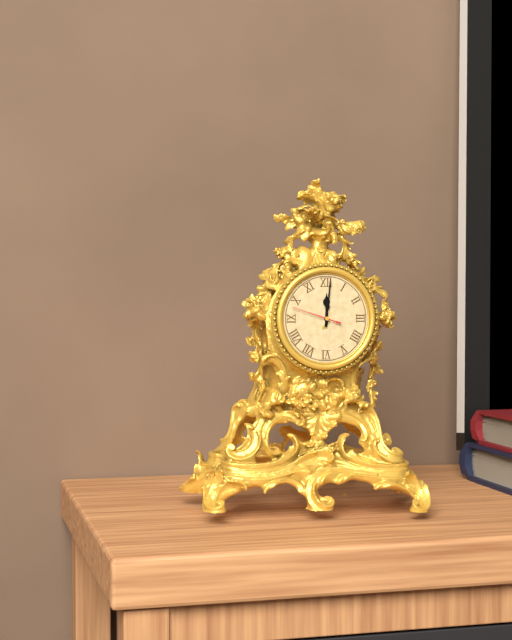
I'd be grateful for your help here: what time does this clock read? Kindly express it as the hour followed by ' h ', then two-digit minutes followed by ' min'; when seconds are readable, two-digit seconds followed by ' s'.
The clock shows 12 h 01 min
